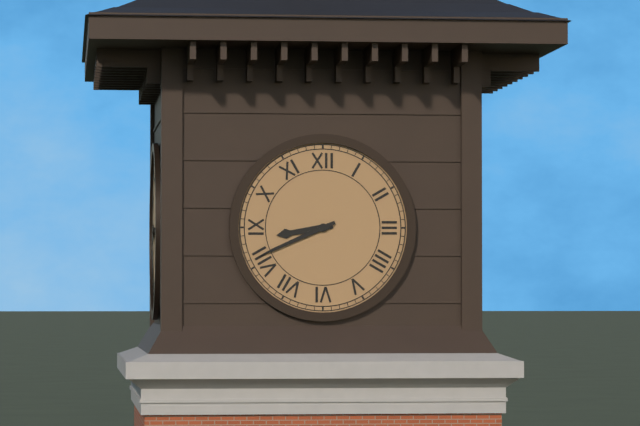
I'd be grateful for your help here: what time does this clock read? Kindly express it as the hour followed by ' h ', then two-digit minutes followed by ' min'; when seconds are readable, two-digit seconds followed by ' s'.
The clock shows 8 h 41 min
